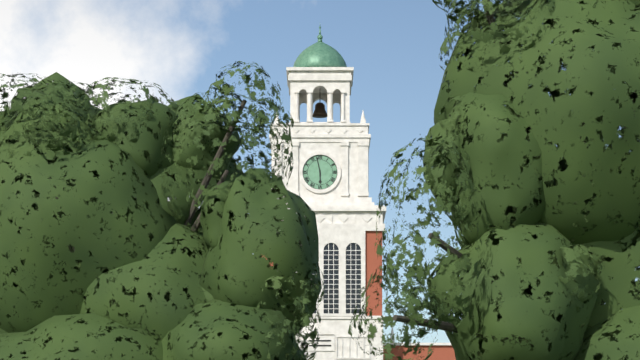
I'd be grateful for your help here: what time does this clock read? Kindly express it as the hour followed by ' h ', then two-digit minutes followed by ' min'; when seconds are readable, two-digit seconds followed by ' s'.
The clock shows 5 h 58 min
